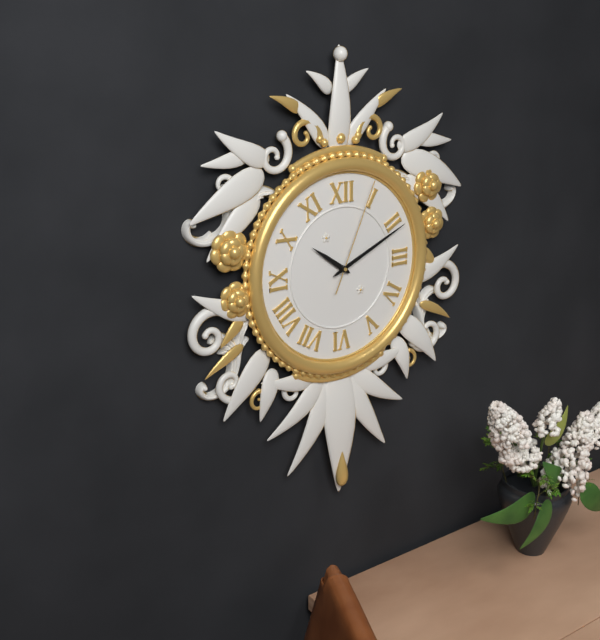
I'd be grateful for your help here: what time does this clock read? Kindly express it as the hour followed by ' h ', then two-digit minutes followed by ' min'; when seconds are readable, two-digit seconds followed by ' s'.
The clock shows 10 h 11 min 04 s
